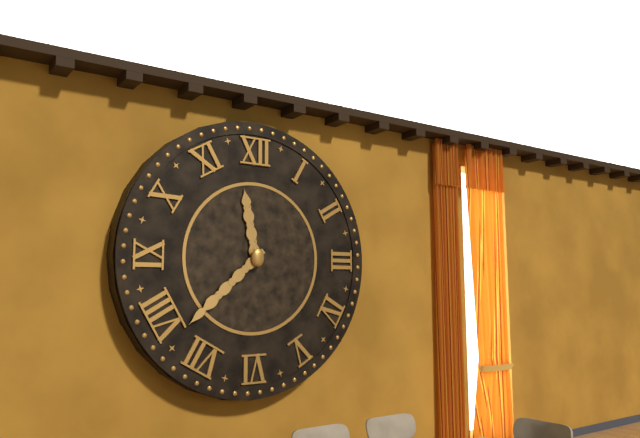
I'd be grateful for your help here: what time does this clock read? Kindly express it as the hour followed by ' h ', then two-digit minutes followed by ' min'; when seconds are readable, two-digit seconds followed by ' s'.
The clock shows 11 h 38 min
